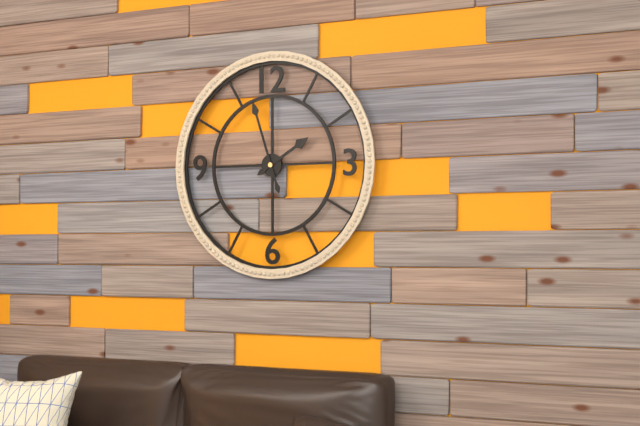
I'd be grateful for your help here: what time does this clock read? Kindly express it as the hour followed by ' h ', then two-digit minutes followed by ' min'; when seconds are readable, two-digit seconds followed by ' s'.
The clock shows 1 h 57 min
